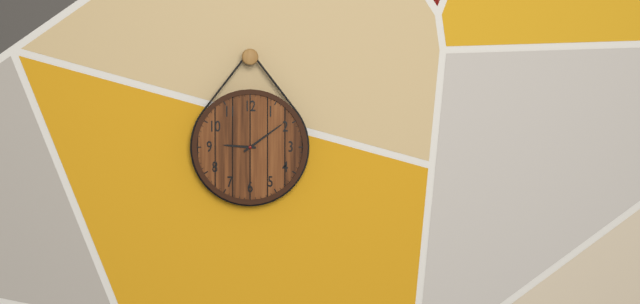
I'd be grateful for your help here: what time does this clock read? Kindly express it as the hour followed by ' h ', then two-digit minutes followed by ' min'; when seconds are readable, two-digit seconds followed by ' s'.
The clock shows 9 h 09 min
